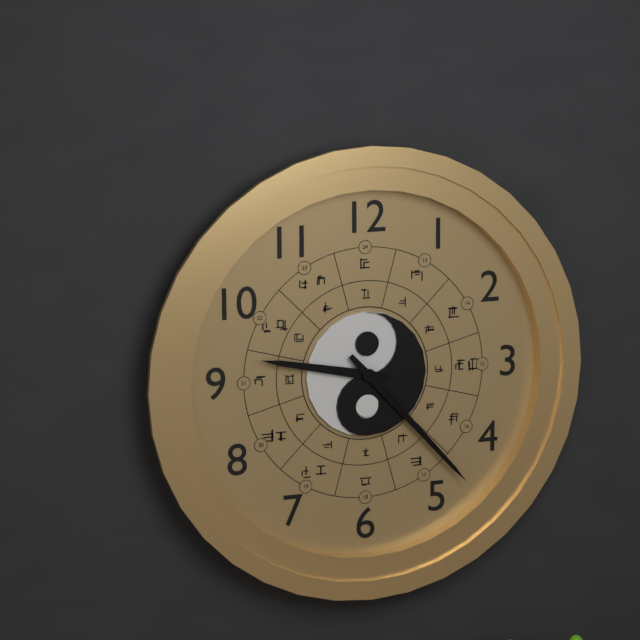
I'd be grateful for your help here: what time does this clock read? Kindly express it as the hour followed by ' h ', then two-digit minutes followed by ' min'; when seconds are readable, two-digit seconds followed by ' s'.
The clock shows 9 h 23 min
